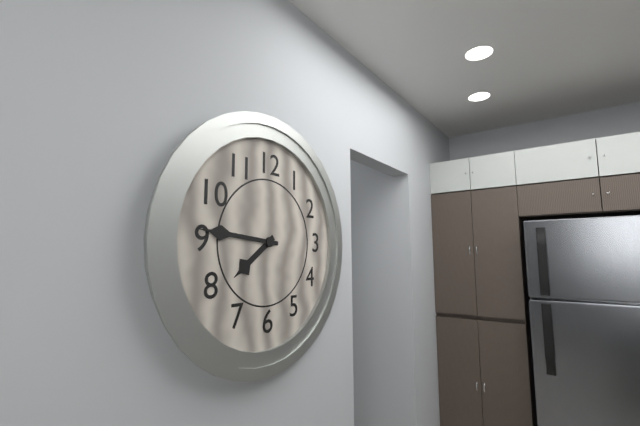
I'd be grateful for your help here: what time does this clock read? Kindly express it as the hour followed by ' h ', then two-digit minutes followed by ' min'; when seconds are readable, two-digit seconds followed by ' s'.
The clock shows 7 h 46 min
